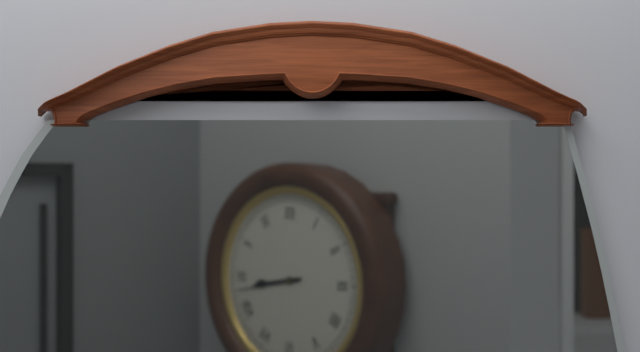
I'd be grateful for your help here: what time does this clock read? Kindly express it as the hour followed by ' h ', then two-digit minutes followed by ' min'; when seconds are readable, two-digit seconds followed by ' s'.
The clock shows 8 h 43 min
